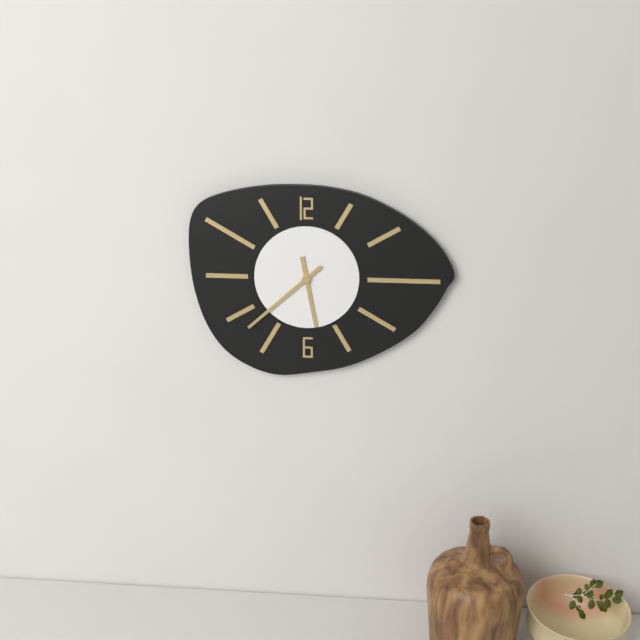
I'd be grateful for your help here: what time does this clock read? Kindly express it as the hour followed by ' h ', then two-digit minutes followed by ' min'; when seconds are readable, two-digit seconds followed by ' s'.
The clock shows 5 h 38 min
